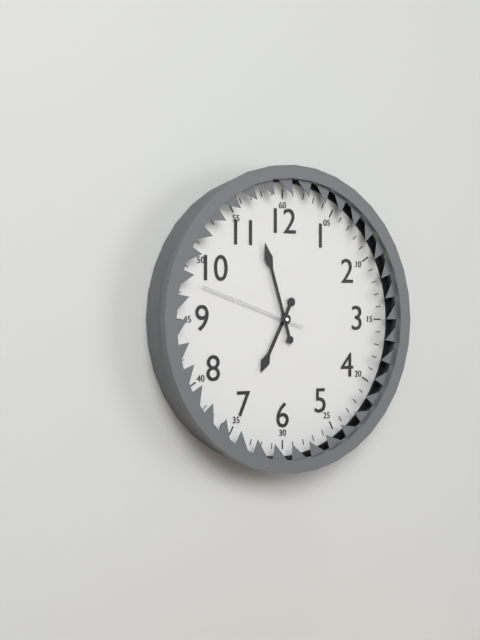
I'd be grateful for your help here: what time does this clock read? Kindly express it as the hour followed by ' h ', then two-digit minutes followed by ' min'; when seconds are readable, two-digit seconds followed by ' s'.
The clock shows 6 h 57 min 48 s
